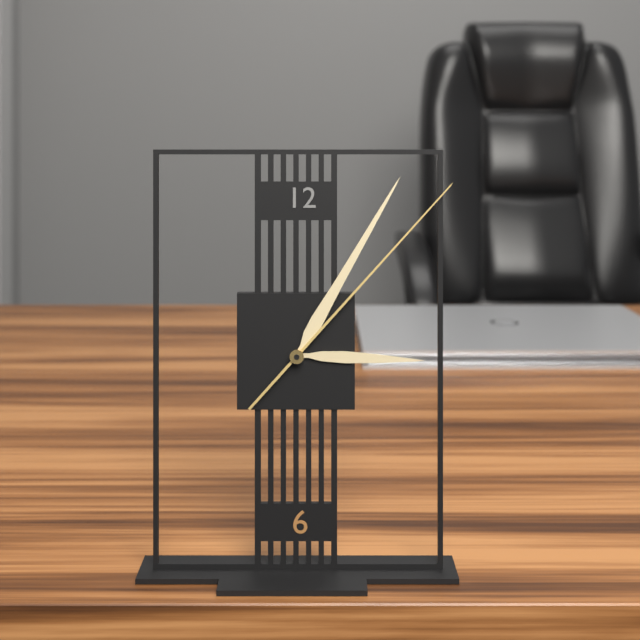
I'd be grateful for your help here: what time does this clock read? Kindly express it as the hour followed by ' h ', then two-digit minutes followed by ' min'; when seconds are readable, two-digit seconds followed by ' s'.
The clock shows 3 h 05 min 07 s
